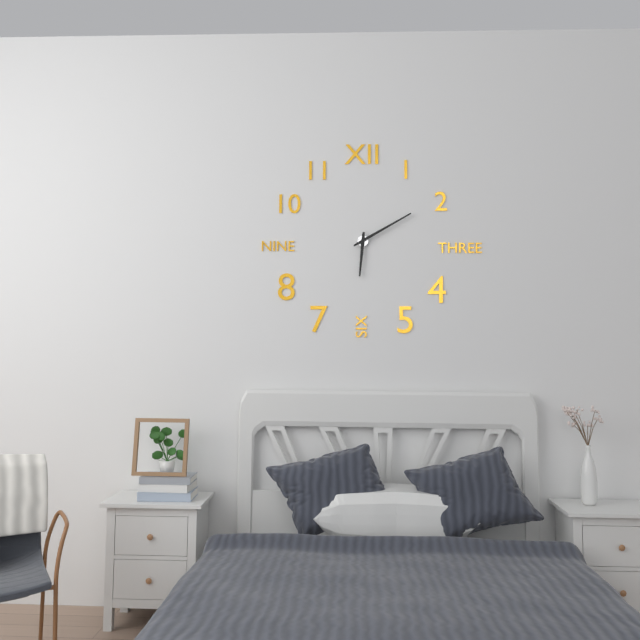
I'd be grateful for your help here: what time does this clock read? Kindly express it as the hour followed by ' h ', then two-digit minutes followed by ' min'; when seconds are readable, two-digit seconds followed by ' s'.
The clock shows 6 h 10 min
